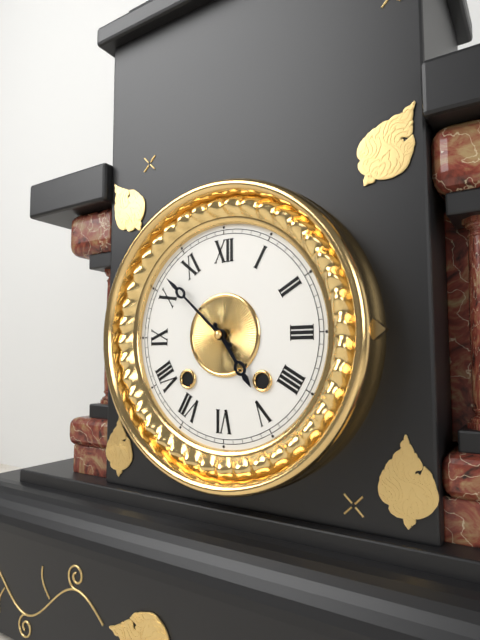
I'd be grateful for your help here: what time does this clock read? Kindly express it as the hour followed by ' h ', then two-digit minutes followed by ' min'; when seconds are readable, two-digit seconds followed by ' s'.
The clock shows 4 h 52 min
